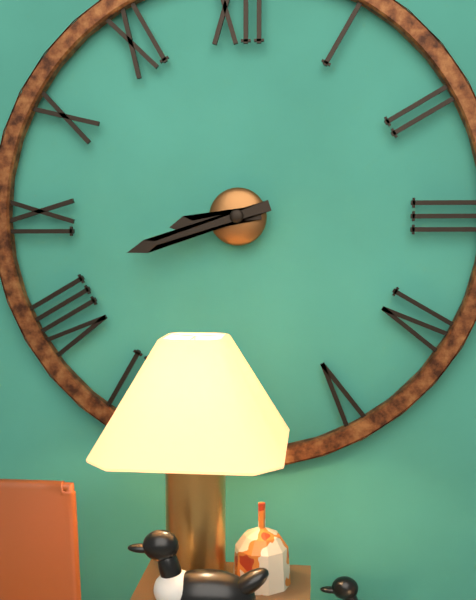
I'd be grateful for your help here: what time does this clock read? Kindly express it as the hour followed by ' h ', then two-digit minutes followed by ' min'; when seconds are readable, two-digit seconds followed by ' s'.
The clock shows 8 h 42 min
